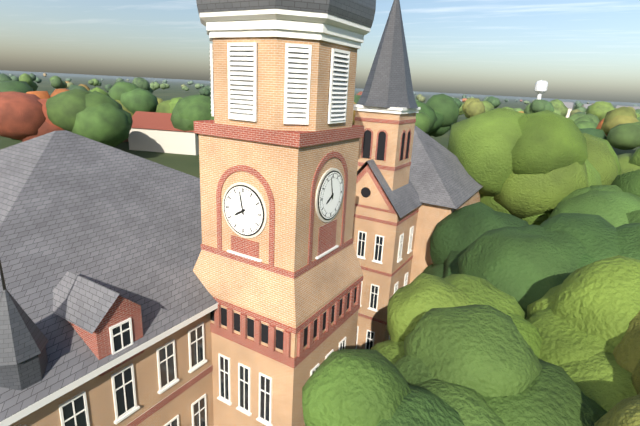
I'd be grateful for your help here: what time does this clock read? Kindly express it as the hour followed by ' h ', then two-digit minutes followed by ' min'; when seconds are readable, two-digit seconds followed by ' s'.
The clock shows 7 h 58 min
